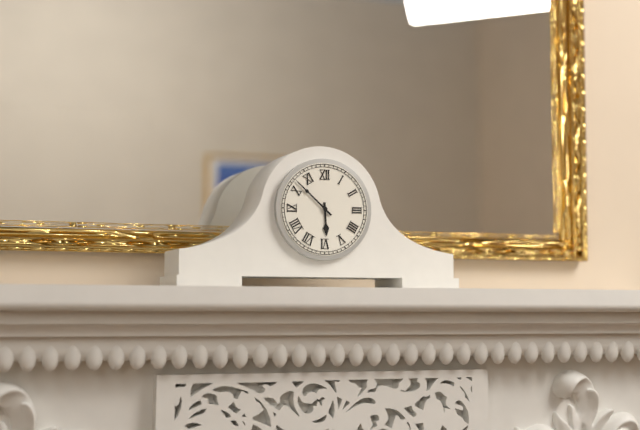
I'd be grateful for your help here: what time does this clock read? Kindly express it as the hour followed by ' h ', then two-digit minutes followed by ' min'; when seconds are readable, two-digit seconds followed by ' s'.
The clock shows 5 h 52 min
